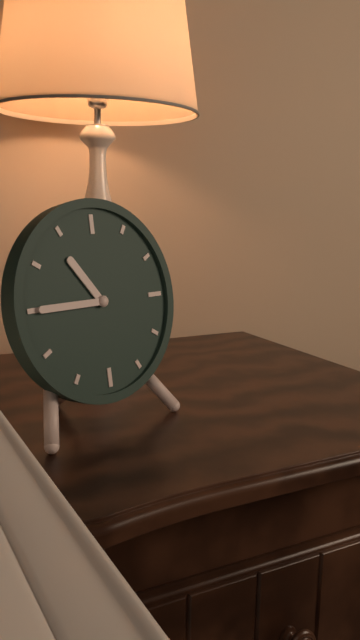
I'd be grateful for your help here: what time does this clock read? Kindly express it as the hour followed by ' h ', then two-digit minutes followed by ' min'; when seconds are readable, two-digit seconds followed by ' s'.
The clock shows 10 h 45 min
